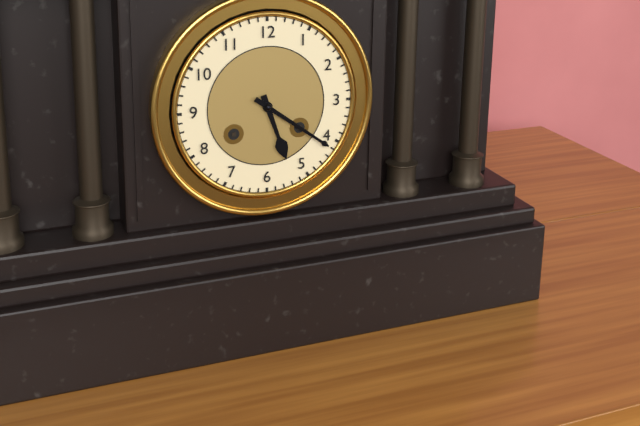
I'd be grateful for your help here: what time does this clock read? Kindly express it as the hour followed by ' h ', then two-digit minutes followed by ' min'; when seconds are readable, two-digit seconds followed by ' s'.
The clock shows 5 h 21 min
